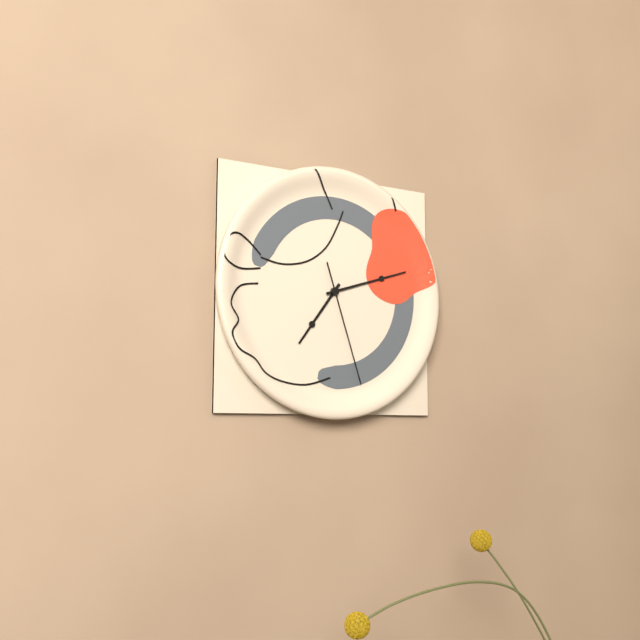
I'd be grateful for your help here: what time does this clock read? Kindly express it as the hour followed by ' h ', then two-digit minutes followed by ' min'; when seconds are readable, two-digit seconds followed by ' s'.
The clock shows 7 h 12 min 27 s
